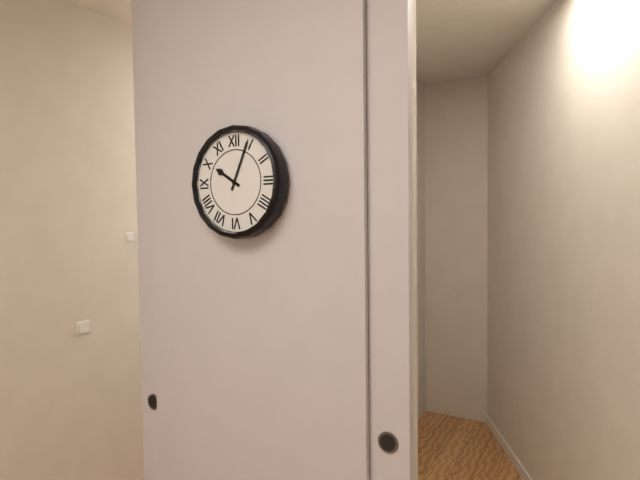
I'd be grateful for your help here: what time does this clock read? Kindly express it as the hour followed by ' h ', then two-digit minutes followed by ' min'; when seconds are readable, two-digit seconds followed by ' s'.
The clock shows 10 h 04 min
